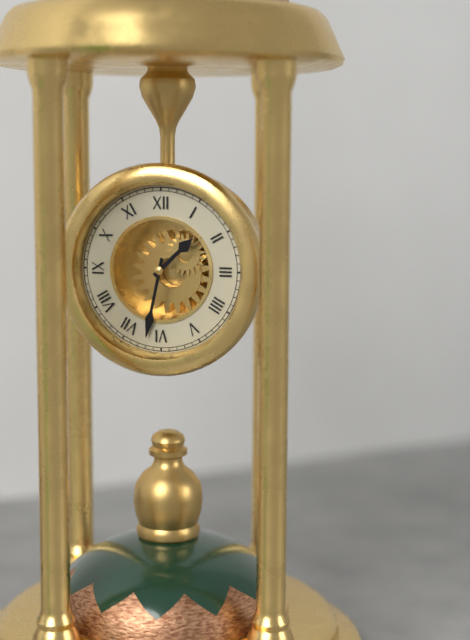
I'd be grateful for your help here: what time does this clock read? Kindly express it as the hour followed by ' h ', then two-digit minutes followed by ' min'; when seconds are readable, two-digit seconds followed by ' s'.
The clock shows 1 h 32 min
